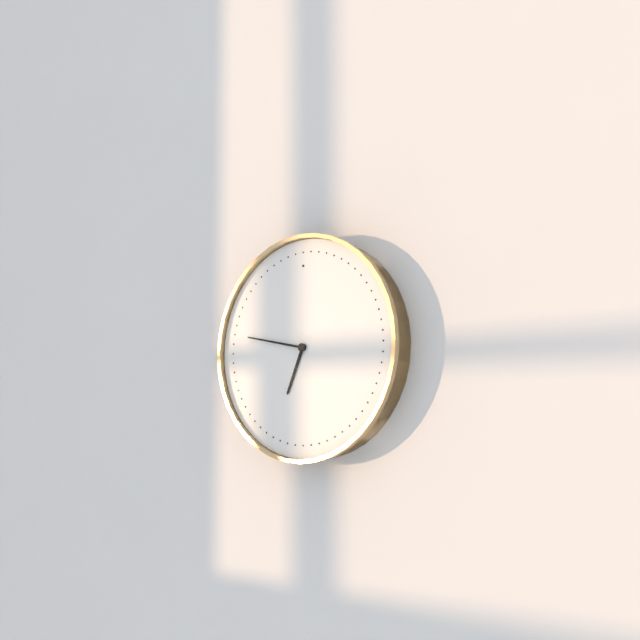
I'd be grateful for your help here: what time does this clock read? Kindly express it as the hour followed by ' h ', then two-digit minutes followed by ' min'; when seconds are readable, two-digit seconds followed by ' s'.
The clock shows 6 h 47 min
